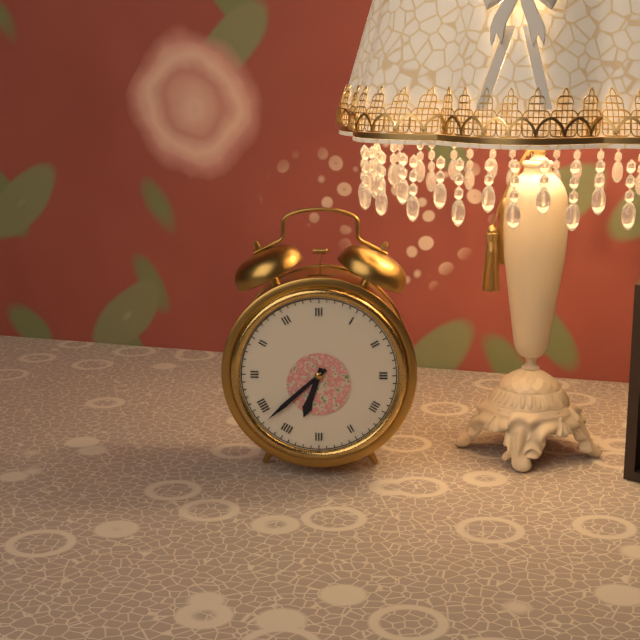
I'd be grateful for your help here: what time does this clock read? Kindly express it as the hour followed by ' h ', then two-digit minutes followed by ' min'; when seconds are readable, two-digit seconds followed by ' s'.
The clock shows 6 h 38 min
